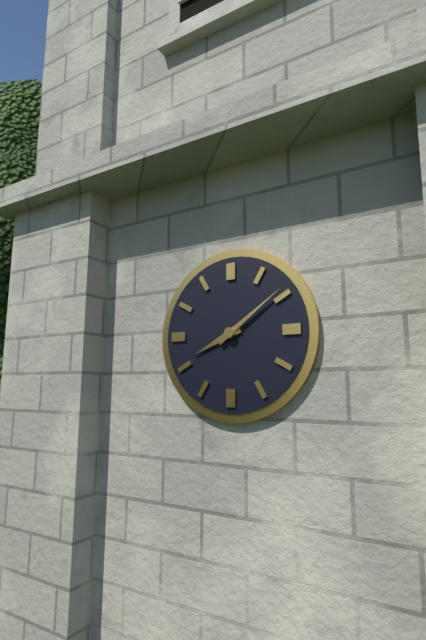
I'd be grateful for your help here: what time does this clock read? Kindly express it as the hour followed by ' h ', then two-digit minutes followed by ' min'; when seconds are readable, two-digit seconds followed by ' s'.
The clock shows 8 h 09 min
